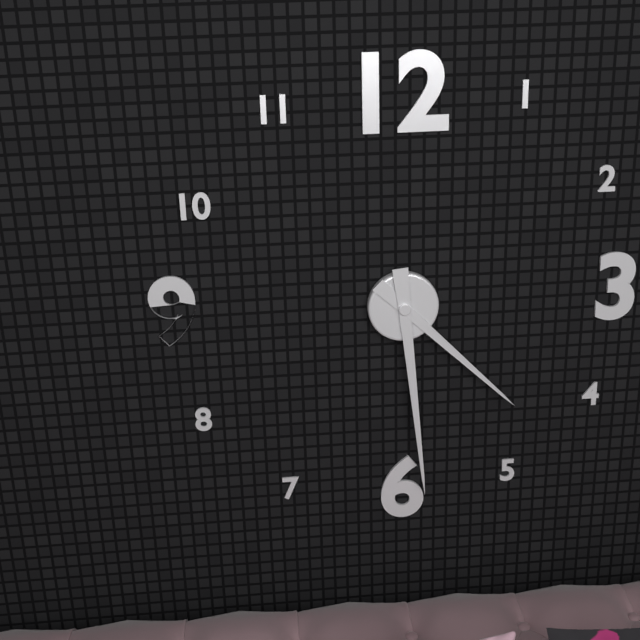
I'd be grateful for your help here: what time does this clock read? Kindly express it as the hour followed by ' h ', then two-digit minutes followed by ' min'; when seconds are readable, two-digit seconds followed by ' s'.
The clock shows 4 h 29 min
